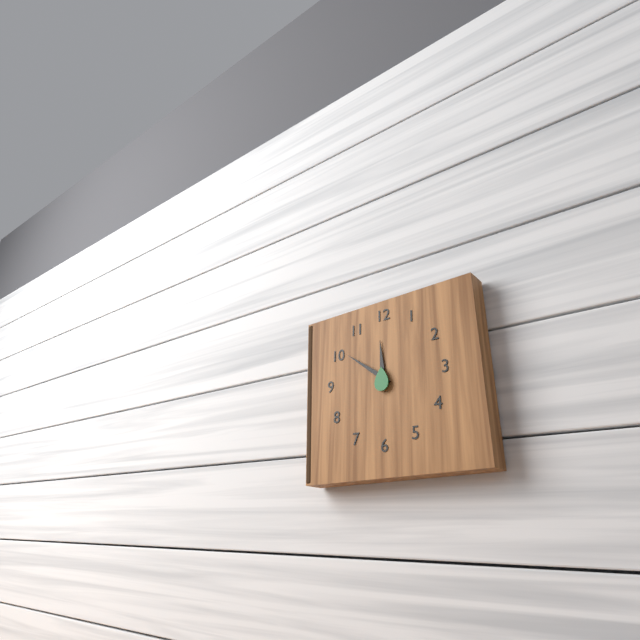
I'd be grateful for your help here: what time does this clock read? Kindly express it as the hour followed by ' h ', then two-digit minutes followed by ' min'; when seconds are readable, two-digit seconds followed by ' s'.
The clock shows 11 h 51 min
